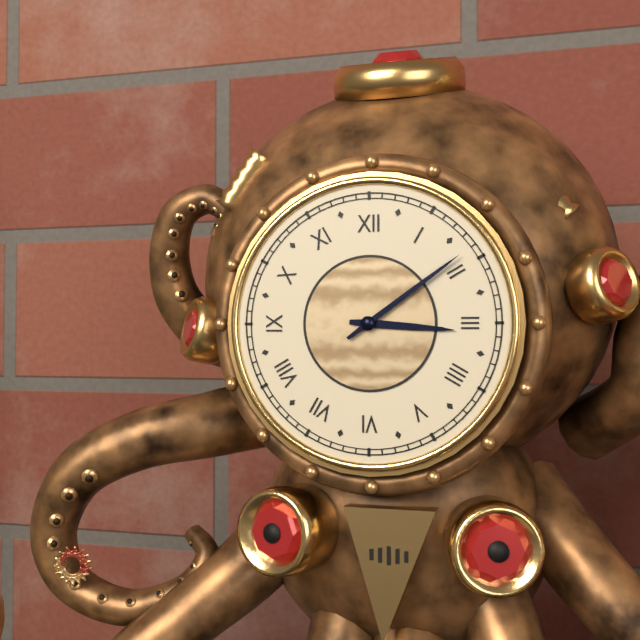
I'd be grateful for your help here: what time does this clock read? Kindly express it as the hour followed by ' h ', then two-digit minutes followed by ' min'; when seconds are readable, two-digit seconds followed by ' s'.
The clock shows 3 h 09 min
